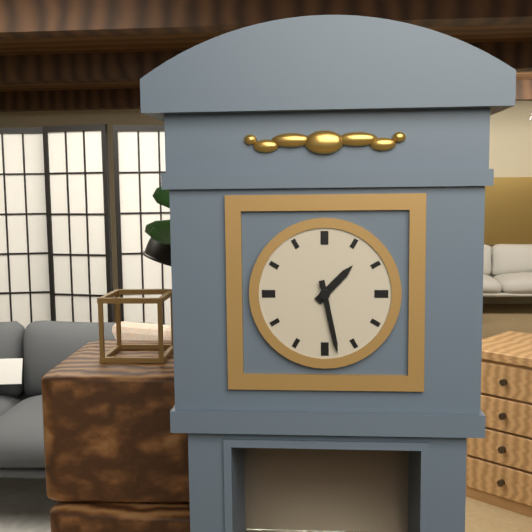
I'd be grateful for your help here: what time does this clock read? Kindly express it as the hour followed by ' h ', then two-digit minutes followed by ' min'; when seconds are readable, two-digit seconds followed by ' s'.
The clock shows 1 h 28 min
